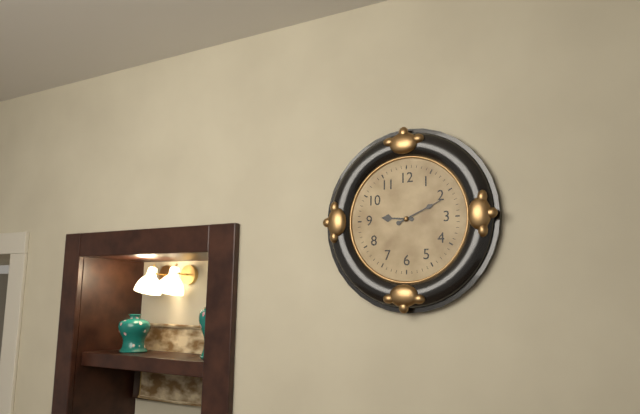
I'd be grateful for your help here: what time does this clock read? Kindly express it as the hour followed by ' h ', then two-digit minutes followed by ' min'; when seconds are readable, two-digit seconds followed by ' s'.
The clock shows 9 h 11 min
